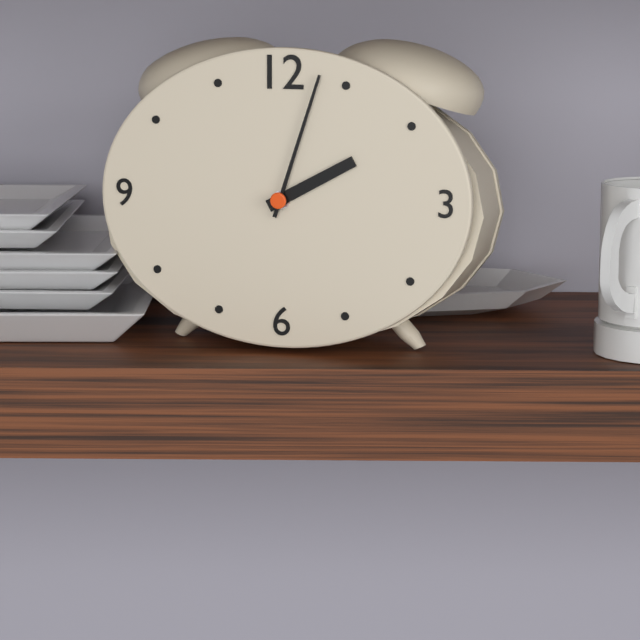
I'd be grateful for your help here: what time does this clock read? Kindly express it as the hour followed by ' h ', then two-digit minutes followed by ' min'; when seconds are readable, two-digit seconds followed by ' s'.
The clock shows 2 h 03 min
